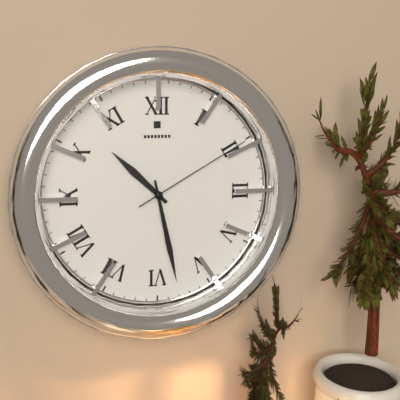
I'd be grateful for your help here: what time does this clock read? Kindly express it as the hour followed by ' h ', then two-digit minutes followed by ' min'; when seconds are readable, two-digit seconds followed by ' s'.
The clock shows 10 h 28 min 10 s
